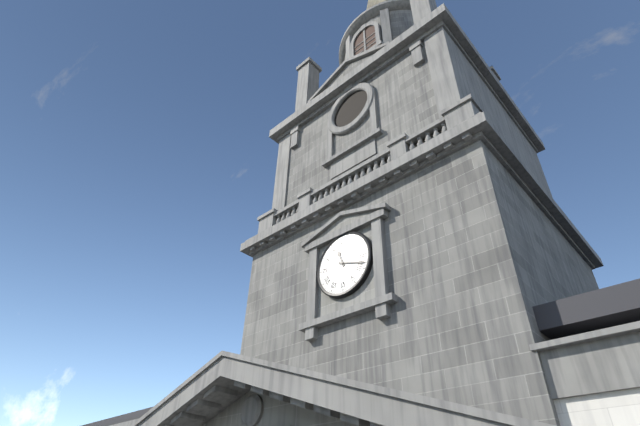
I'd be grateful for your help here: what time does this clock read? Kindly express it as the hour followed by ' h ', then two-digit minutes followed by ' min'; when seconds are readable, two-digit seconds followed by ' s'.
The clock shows 11 h 18 min
